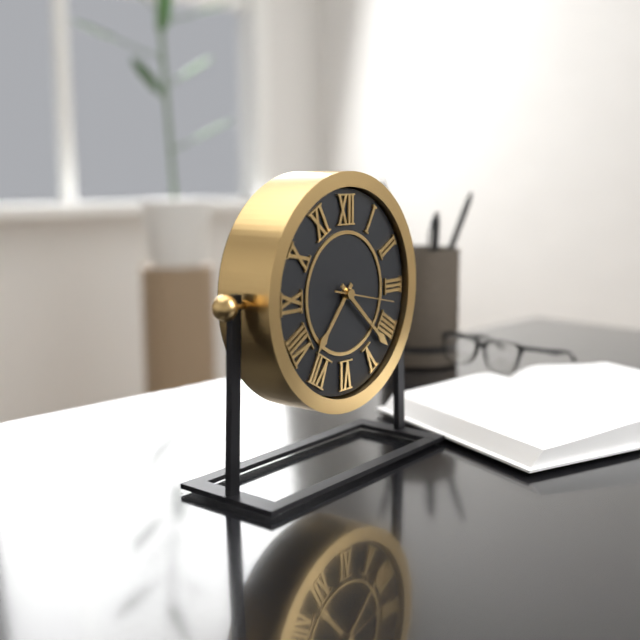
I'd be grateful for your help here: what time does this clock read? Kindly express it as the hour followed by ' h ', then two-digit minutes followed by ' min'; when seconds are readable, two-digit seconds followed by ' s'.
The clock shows 7 h 22 min 17 s
